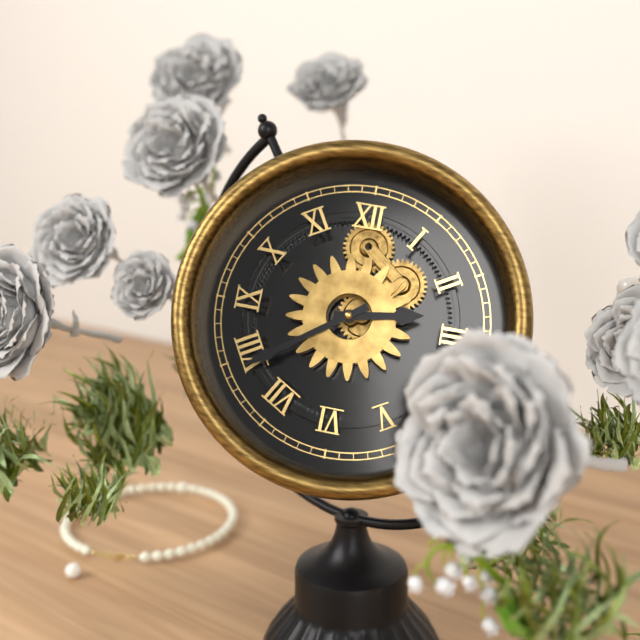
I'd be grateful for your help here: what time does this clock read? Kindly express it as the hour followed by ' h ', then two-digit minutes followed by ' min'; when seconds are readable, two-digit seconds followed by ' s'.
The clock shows 2 h 39 min
